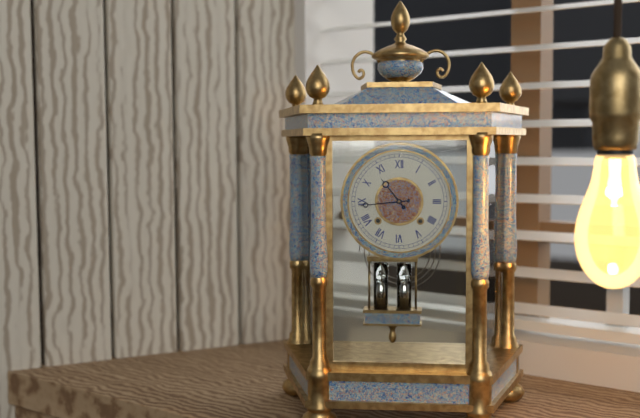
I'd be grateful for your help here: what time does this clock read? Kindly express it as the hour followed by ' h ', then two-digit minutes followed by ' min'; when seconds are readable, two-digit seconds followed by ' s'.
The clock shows 10 h 44 min
